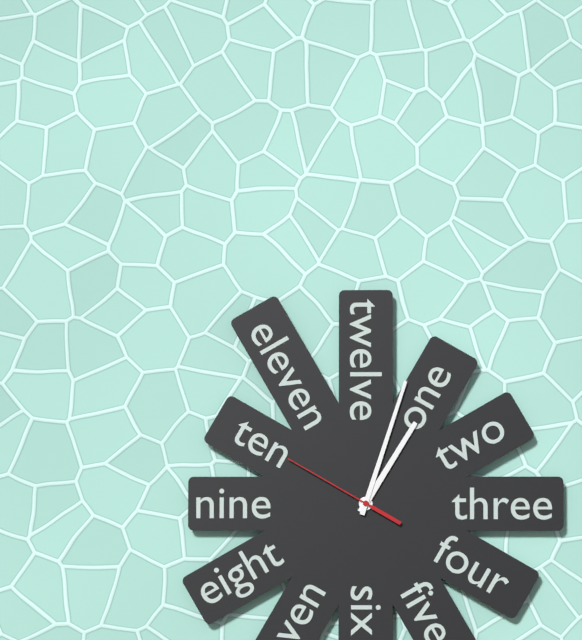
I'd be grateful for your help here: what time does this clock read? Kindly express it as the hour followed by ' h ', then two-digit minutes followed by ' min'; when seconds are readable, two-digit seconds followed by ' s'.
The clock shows 1 h 03 min 50 s
